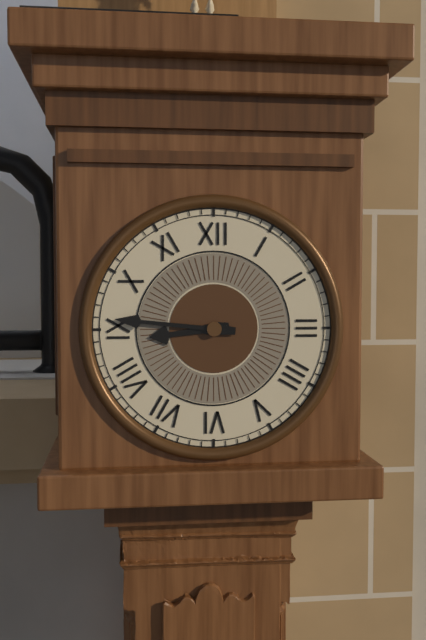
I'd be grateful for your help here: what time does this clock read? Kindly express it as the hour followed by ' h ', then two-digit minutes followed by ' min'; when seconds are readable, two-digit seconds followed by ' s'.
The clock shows 8 h 46 min
